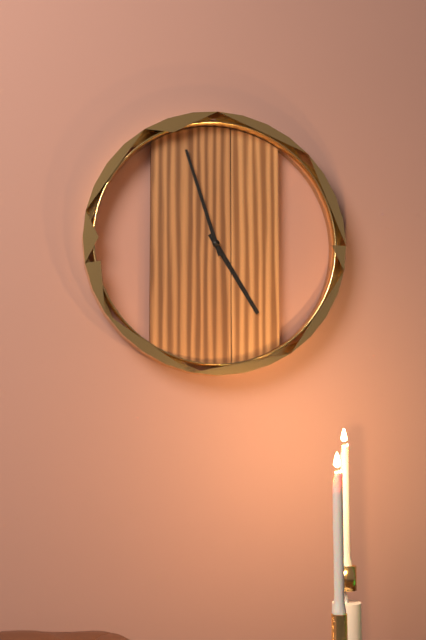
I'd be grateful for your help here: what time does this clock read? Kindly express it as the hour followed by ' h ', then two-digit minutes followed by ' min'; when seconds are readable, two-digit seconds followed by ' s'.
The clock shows 4 h 57 min
